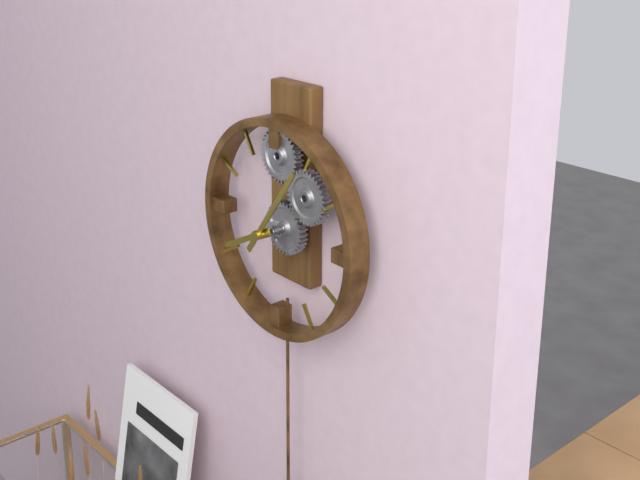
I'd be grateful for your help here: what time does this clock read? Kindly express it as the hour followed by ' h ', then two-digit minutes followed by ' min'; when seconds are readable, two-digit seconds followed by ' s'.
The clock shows 8 h 06 min
